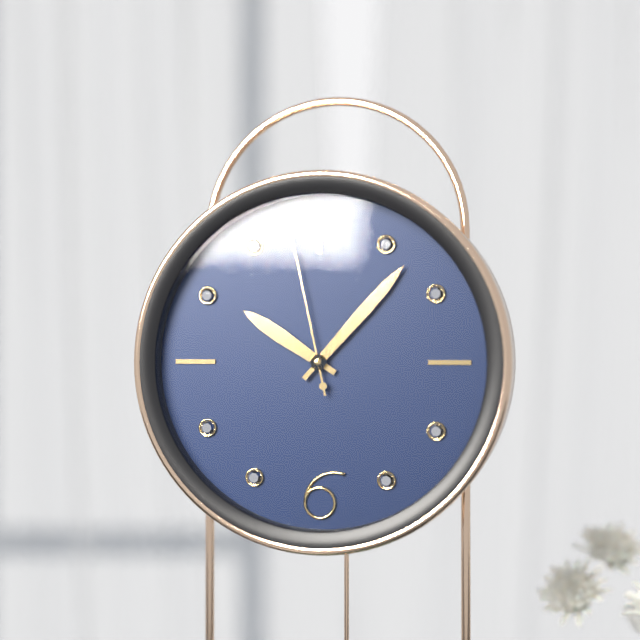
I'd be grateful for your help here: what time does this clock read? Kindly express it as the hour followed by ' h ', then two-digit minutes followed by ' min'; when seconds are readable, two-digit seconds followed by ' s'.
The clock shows 10 h 07 min 58 s
